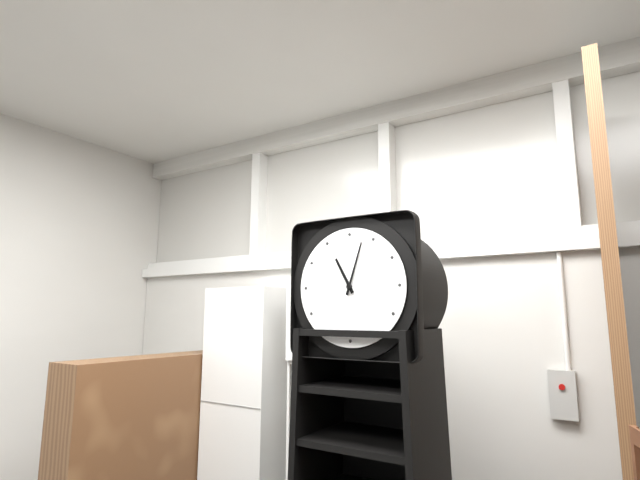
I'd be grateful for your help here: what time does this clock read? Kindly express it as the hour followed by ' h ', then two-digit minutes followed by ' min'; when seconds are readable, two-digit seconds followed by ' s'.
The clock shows 11 h 03 min
